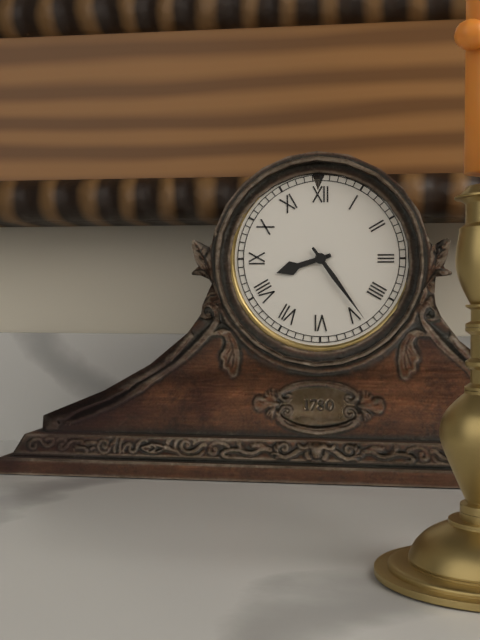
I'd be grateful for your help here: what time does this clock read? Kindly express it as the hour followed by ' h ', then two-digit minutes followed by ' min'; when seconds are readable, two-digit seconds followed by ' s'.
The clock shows 8 h 24 min
